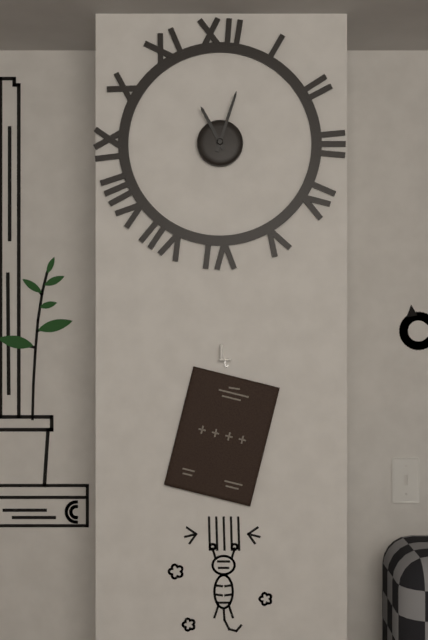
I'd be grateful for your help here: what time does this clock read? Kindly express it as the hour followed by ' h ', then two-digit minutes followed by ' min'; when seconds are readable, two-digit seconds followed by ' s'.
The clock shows 11 h 03 min
